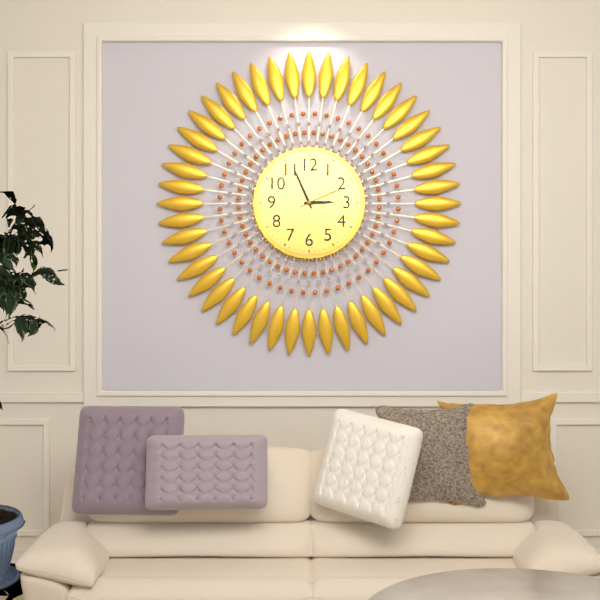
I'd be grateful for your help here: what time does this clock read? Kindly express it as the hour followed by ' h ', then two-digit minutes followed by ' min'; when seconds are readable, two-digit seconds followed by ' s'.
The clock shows 2 h 56 min 11 s
